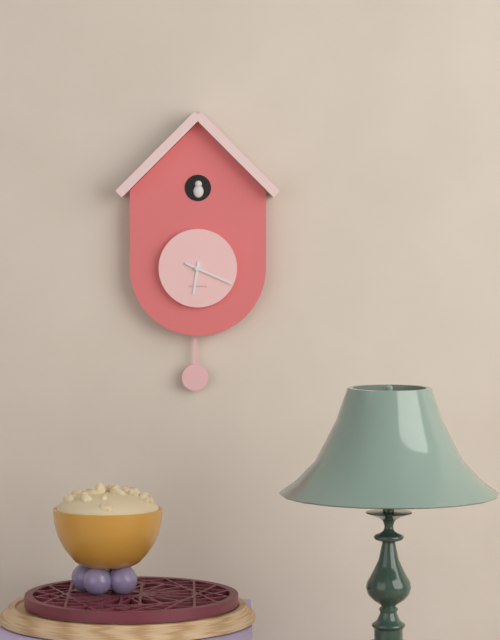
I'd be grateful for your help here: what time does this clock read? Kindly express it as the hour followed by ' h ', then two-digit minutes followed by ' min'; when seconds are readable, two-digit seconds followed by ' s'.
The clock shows 6 h 19 min
